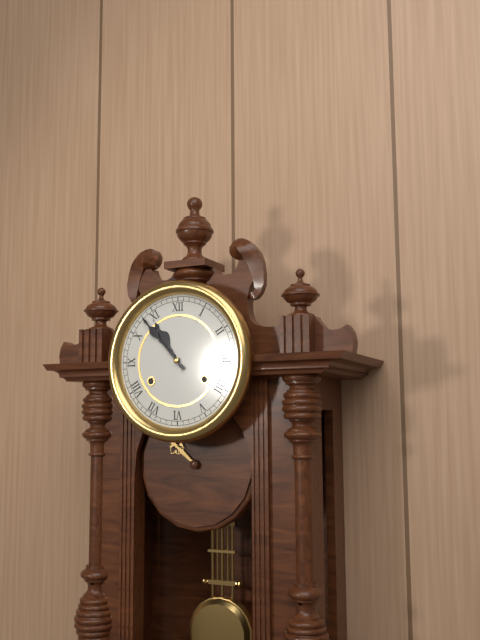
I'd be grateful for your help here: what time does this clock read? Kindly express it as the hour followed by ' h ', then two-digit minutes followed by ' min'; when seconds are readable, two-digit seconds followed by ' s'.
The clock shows 10 h 53 min
